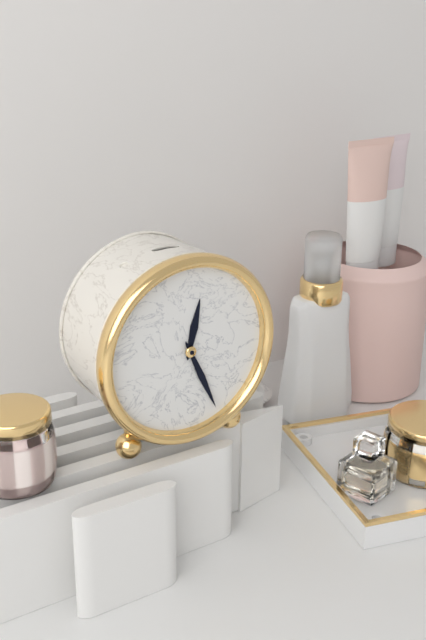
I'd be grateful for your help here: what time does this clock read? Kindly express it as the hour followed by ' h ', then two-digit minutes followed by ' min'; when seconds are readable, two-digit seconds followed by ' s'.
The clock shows 12 h 26 min
